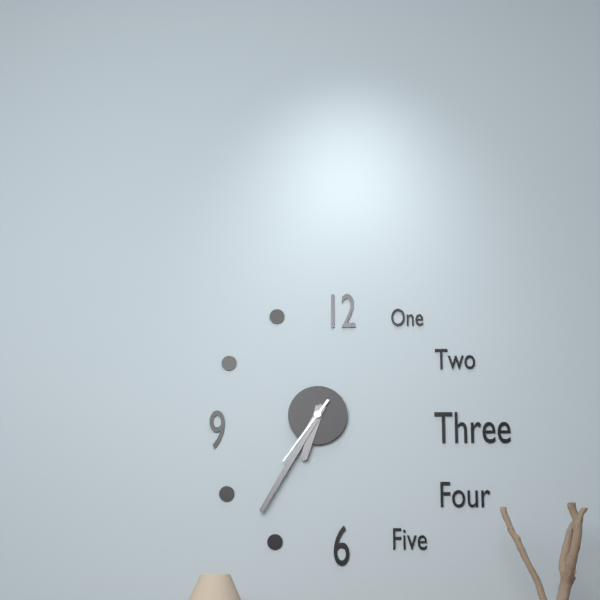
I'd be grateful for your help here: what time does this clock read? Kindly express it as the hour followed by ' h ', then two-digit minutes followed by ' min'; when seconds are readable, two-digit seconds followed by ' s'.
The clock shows 6 h 35 min 36 s
